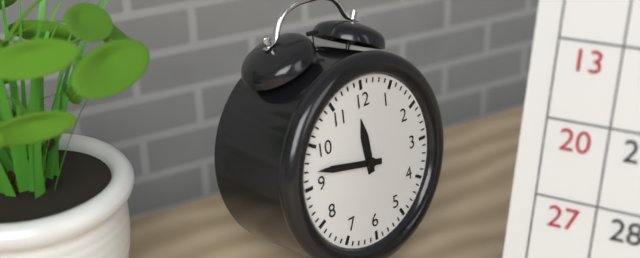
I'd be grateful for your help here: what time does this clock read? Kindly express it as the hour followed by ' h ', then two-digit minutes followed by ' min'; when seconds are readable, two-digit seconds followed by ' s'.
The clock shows 11 h 47 min
